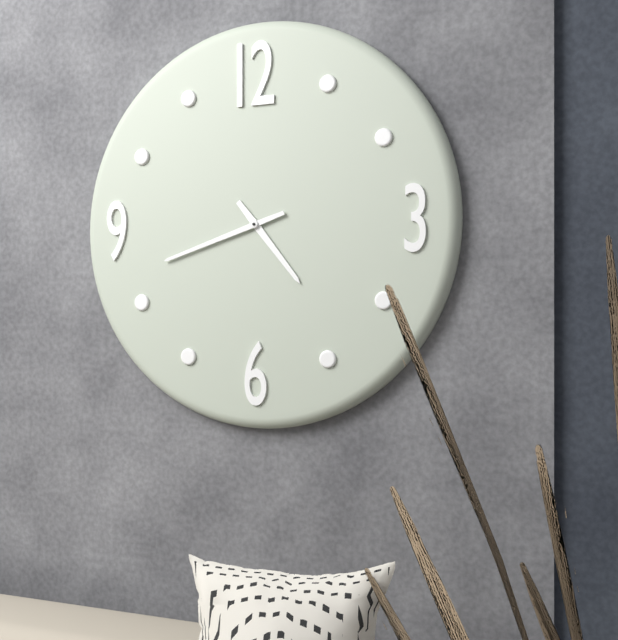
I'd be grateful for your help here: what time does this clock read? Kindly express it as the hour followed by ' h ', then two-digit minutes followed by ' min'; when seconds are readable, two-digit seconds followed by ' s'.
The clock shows 4 h 42 min
